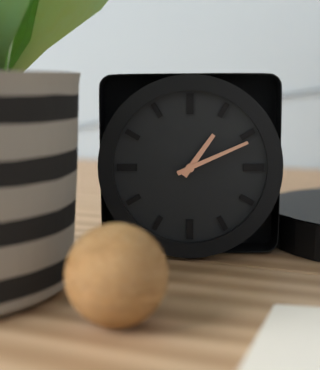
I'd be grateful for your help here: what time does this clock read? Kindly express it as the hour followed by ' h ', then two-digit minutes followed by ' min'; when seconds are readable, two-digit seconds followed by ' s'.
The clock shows 1 h 11 min
